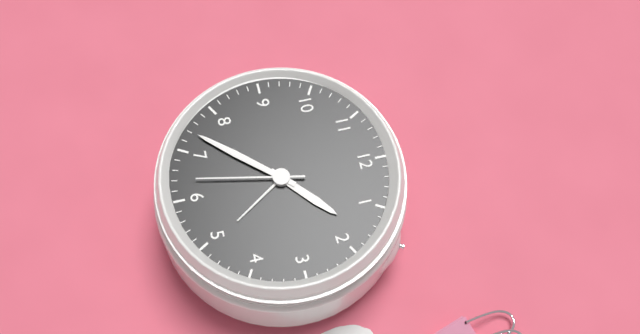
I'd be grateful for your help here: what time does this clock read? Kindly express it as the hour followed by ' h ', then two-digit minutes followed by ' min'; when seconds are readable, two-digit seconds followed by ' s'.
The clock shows 1 h 37 min 32 s
